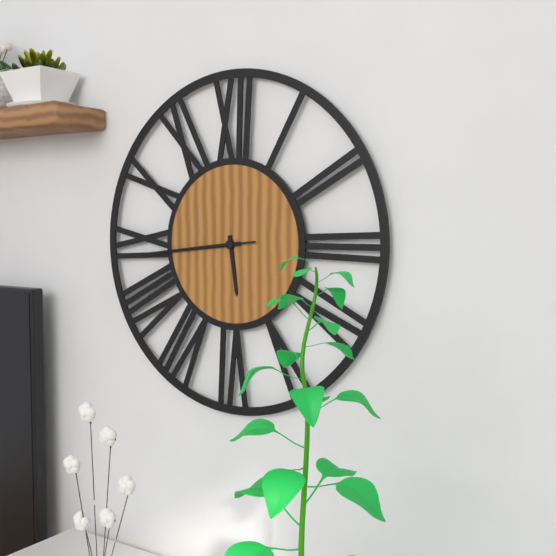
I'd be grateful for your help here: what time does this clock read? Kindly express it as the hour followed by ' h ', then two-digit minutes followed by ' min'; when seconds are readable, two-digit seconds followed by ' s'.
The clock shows 5 h 44 min 44 s
